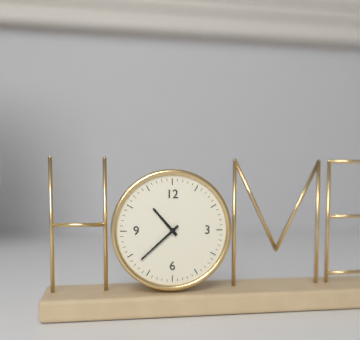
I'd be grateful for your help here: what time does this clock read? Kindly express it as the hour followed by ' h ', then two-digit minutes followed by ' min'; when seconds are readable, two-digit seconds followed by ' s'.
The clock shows 10 h 38 min
